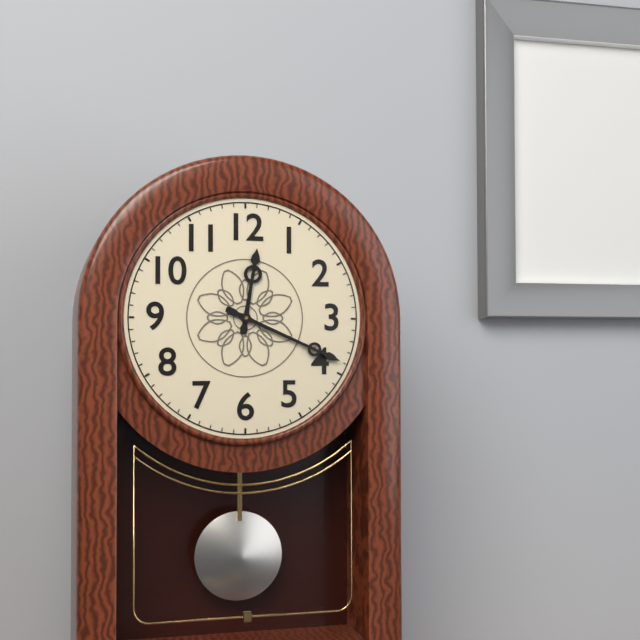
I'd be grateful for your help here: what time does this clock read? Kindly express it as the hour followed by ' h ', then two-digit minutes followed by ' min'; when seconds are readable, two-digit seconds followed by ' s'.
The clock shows 12 h 19 min
